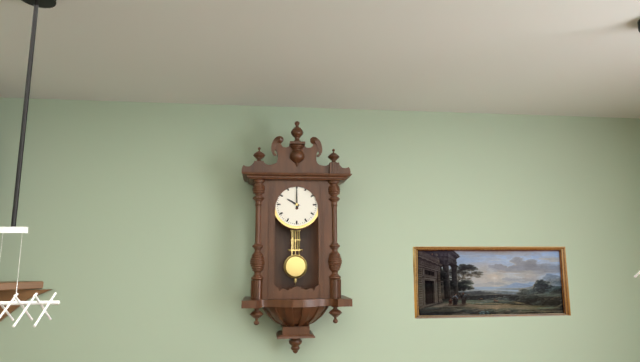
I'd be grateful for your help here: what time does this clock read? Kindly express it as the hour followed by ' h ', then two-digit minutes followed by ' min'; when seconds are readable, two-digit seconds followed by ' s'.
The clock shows 10 h 00 min
